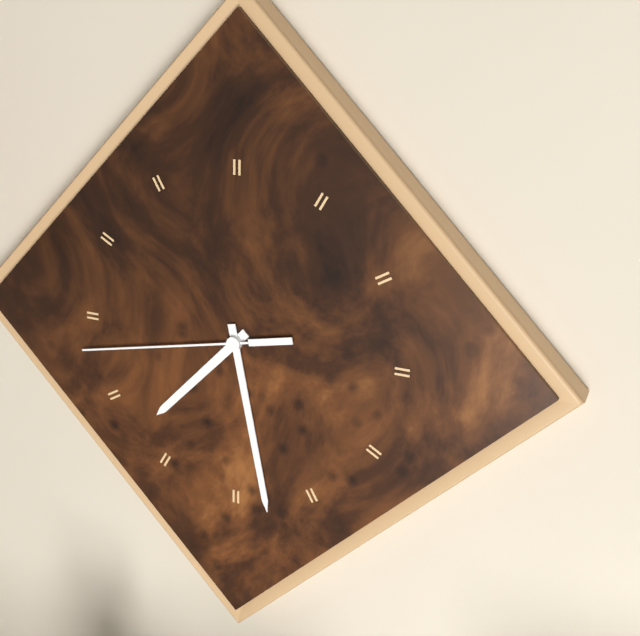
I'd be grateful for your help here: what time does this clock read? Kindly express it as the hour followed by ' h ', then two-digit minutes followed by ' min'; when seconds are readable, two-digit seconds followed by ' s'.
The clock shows 7 h 28 min 43 s
